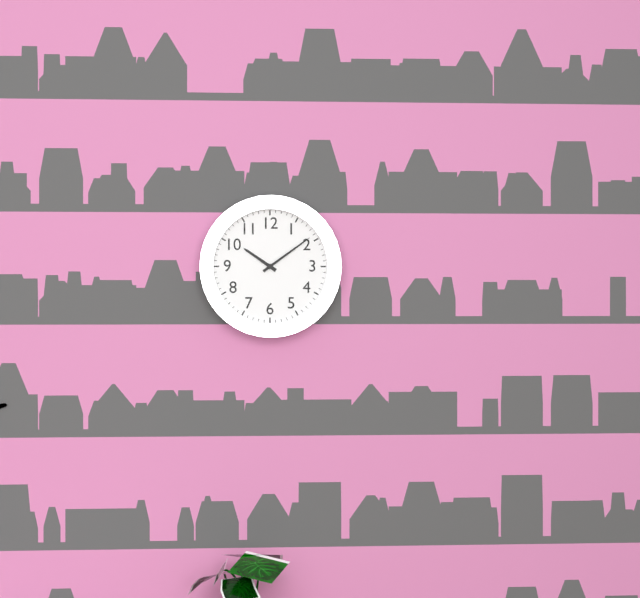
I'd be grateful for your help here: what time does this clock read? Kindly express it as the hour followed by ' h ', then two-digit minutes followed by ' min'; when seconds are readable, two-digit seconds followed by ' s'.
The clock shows 10 h 09 min
